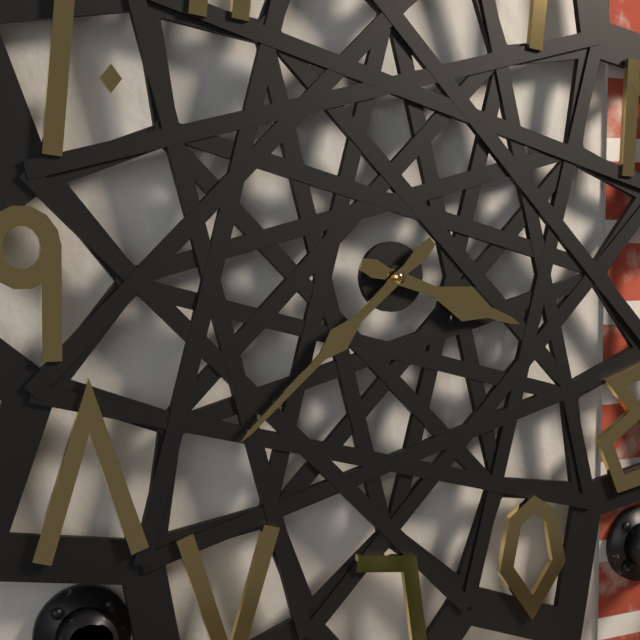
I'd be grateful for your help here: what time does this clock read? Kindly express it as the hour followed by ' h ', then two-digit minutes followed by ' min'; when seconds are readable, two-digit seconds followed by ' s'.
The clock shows 3 h 38 min
